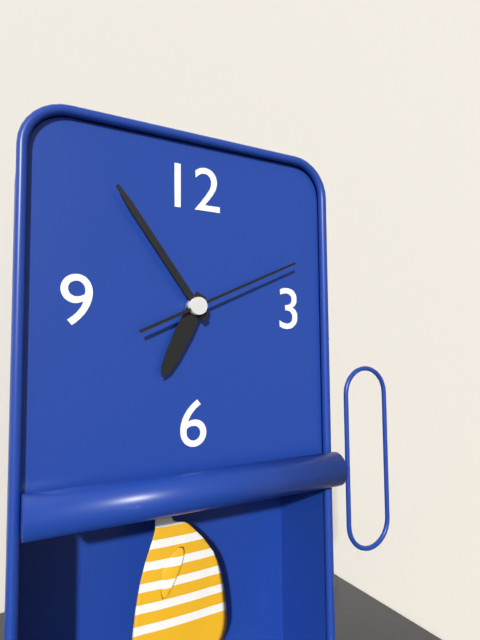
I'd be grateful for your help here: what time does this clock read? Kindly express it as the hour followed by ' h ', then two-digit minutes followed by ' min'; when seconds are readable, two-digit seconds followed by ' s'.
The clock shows 6 h 54 min 11 s
